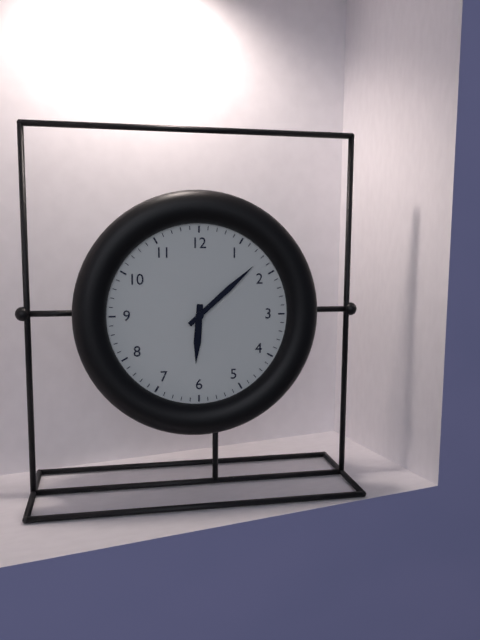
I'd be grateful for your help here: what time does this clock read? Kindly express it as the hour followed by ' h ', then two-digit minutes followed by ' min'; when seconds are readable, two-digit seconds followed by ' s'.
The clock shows 6 h 08 min
